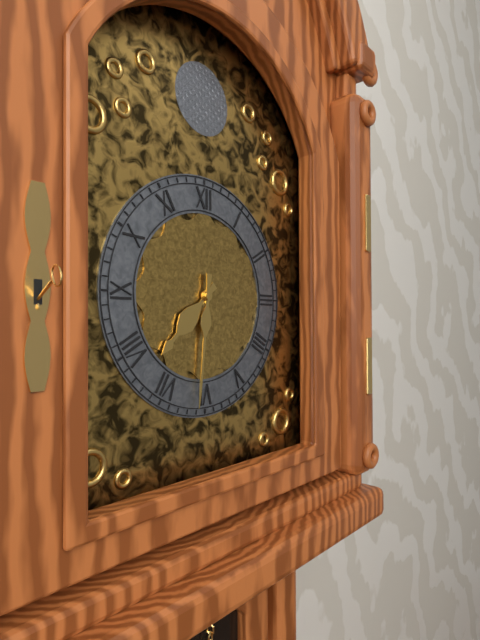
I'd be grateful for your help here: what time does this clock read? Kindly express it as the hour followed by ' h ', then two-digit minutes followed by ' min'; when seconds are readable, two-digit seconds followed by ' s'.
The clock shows 7 h 31 min
